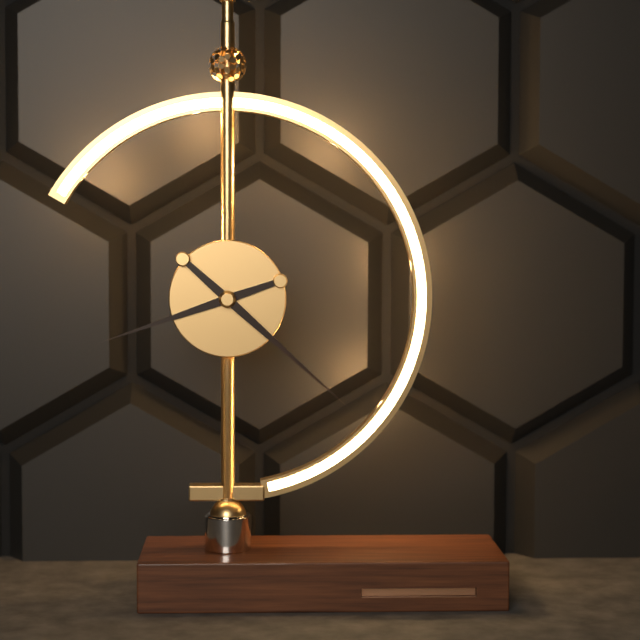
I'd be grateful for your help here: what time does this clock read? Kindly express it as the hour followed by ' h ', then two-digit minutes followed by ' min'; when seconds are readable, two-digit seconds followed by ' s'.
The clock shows 8 h 22 min
